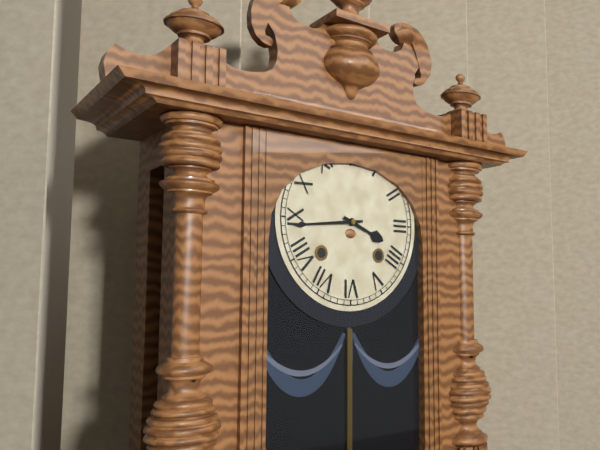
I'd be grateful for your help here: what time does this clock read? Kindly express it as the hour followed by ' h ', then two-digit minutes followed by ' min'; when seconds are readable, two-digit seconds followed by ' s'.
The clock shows 3 h 44 min
